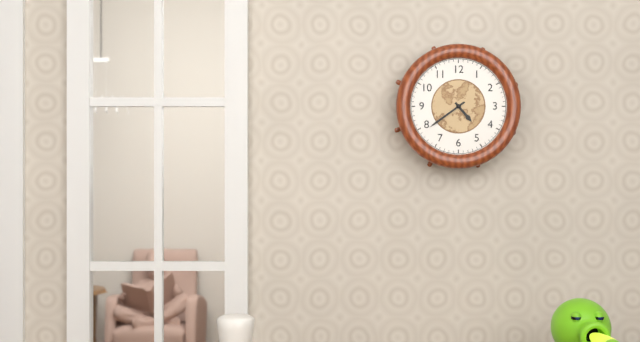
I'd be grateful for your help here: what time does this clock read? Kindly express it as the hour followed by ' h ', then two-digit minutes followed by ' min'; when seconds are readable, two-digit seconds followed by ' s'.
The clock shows 4 h 39 min
